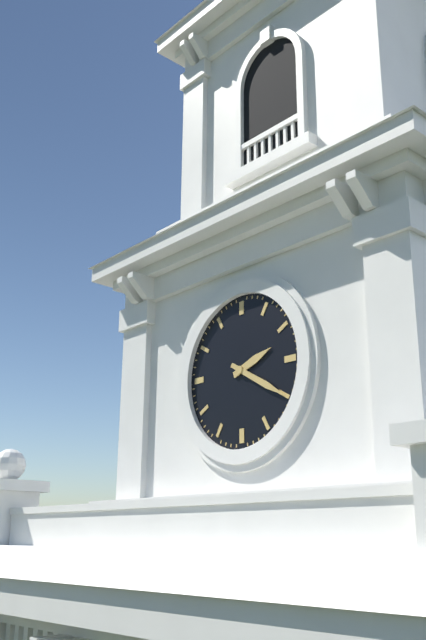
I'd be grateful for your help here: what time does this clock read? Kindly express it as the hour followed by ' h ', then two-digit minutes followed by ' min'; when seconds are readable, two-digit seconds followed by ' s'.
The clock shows 2 h 20 min
